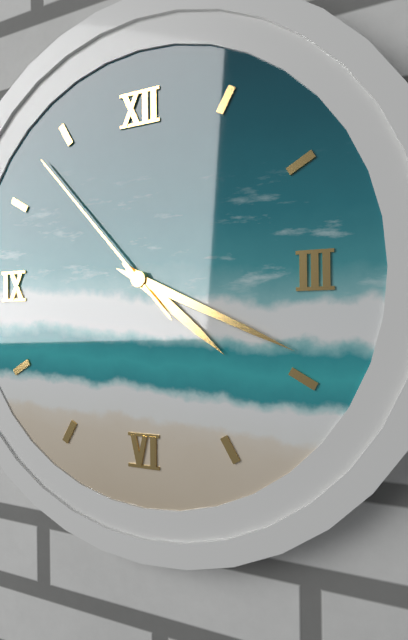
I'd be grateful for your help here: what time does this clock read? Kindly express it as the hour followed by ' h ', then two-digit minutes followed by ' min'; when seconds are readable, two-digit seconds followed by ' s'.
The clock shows 4 h 19 min 53 s
